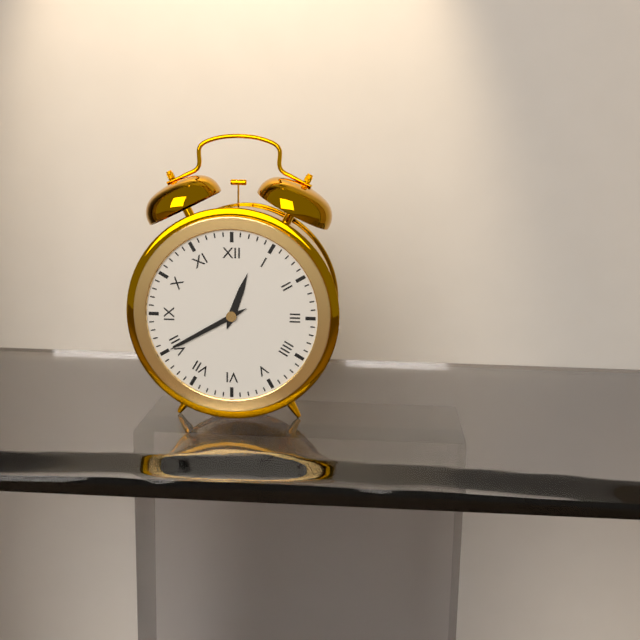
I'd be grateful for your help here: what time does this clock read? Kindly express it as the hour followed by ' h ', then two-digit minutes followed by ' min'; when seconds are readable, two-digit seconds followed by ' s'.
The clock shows 12 h 40 min
